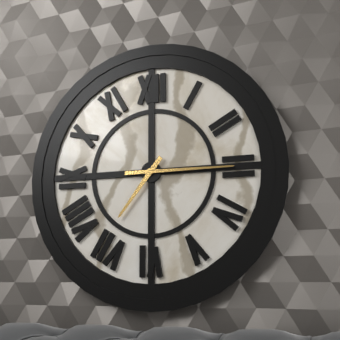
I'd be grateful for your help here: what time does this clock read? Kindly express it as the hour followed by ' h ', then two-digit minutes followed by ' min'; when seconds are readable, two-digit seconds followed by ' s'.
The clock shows 7 h 15 min
